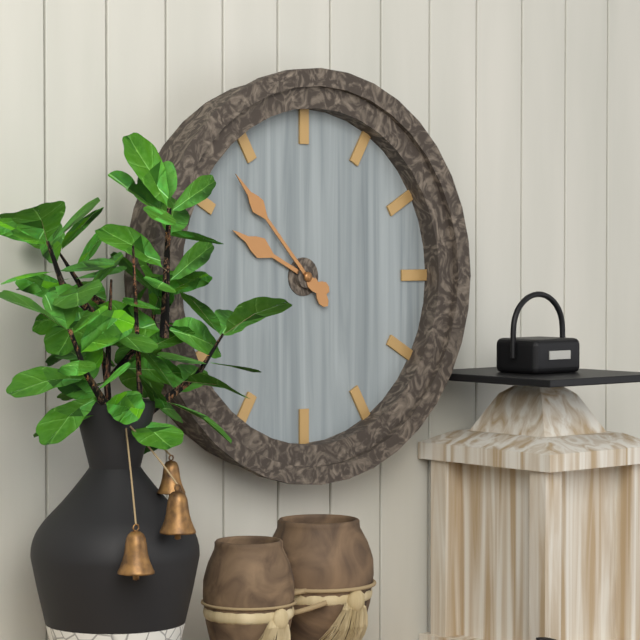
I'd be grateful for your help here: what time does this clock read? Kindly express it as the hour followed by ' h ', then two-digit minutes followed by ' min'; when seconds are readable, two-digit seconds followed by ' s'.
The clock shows 9 h 53 min
